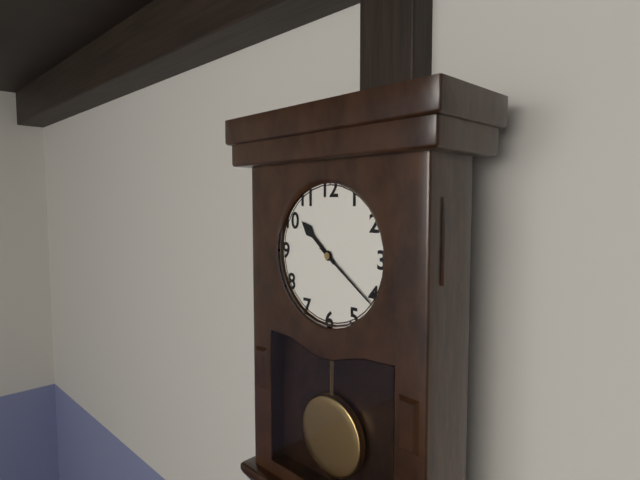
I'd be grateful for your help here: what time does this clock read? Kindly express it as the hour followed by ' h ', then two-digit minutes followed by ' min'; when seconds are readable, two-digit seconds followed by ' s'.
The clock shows 10 h 21 min
